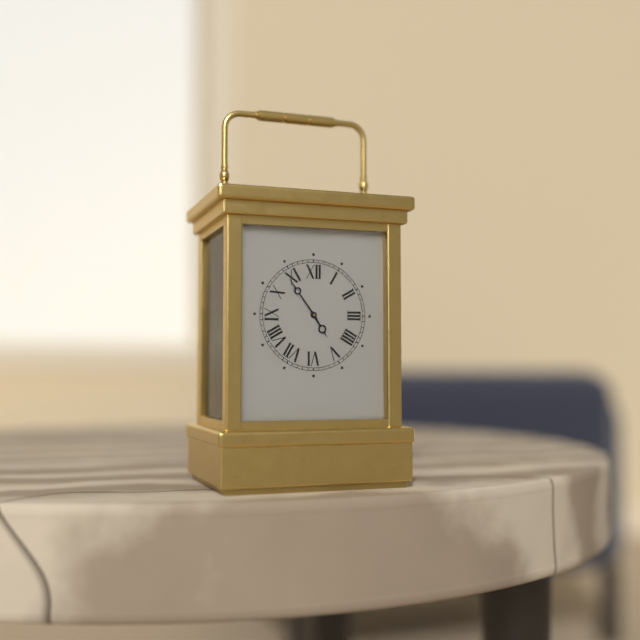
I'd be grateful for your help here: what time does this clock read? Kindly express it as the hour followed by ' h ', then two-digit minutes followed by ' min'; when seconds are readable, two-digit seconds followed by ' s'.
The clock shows 4 h 54 min
